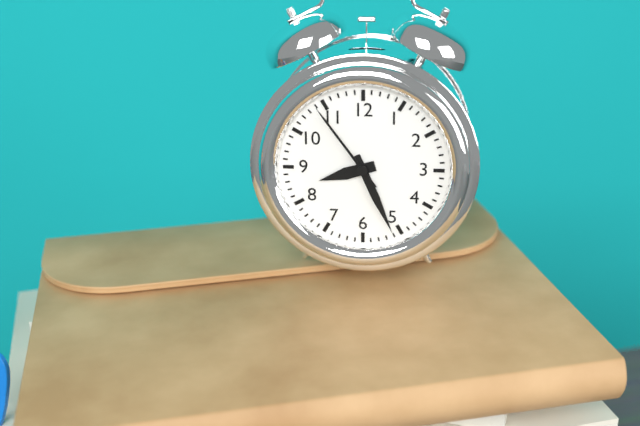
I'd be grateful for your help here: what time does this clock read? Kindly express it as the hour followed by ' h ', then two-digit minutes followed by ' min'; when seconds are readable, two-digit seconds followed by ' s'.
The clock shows 8 h 26 min 54 s
